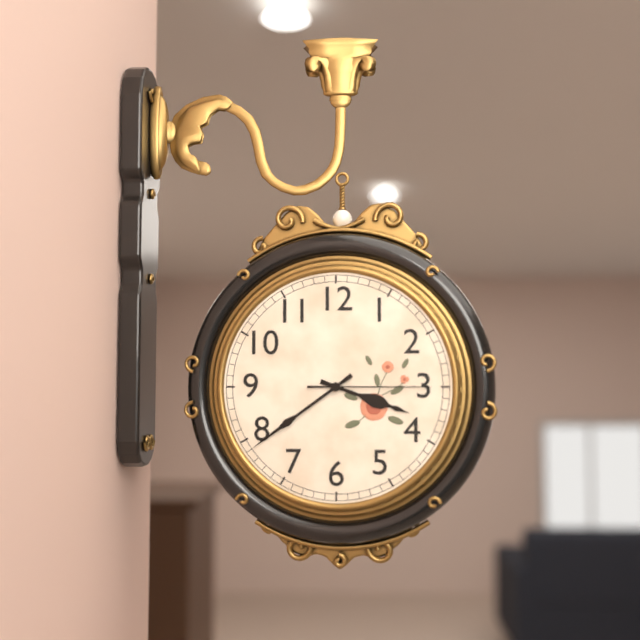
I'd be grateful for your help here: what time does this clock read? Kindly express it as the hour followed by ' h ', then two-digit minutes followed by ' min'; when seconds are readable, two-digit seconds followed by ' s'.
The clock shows 3 h 39 min 15 s
